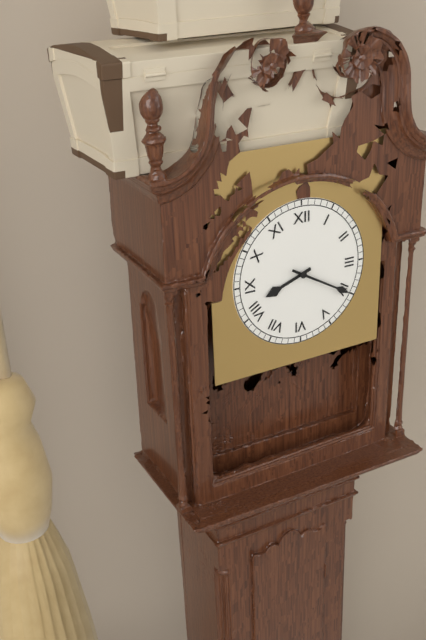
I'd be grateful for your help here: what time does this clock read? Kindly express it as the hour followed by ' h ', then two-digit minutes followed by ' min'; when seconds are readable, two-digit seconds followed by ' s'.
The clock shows 8 h 20 min
